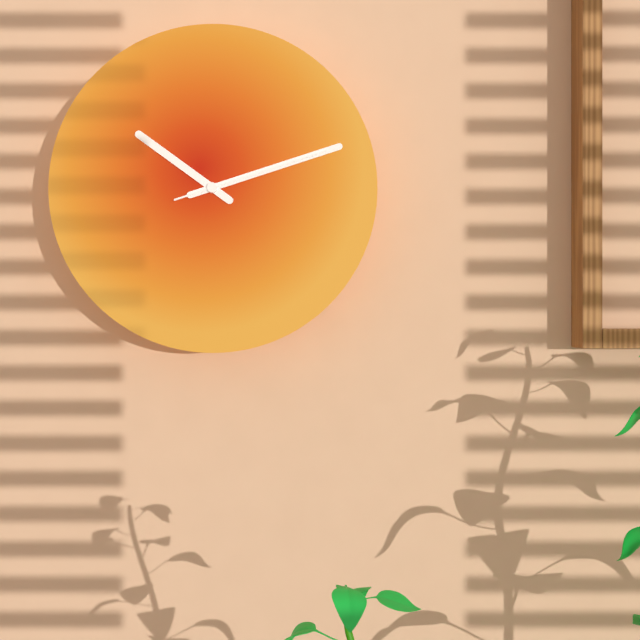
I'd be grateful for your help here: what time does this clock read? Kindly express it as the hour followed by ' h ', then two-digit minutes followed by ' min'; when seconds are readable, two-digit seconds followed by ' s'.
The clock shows 10 h 12 min 12 s
